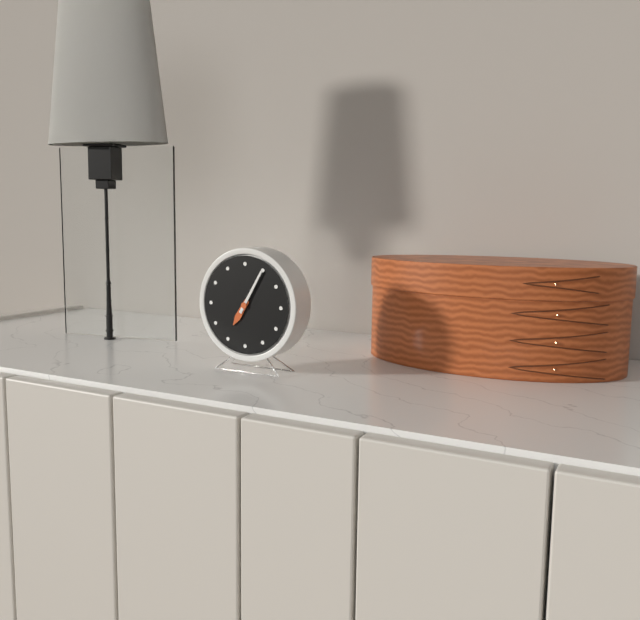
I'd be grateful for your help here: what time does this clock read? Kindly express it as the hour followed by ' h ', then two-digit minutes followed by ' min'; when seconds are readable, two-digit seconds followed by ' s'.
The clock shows 7 h 05 min
